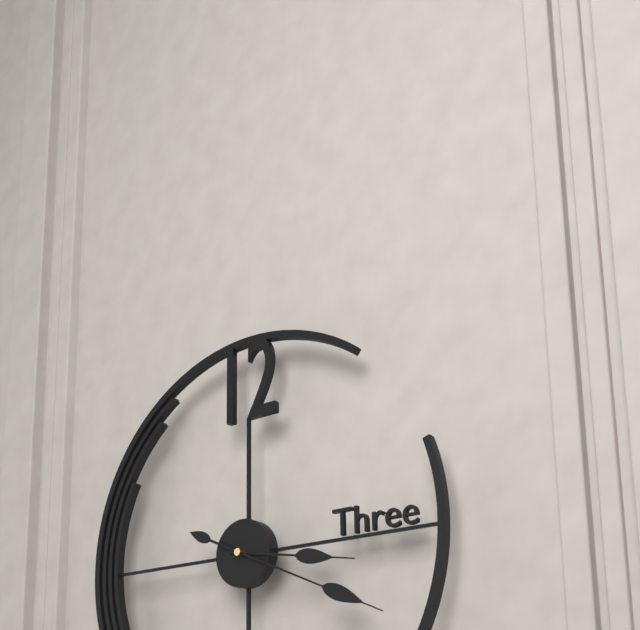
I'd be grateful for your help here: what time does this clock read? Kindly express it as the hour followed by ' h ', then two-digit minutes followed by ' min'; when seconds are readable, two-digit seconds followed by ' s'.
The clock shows 3 h 19 min
